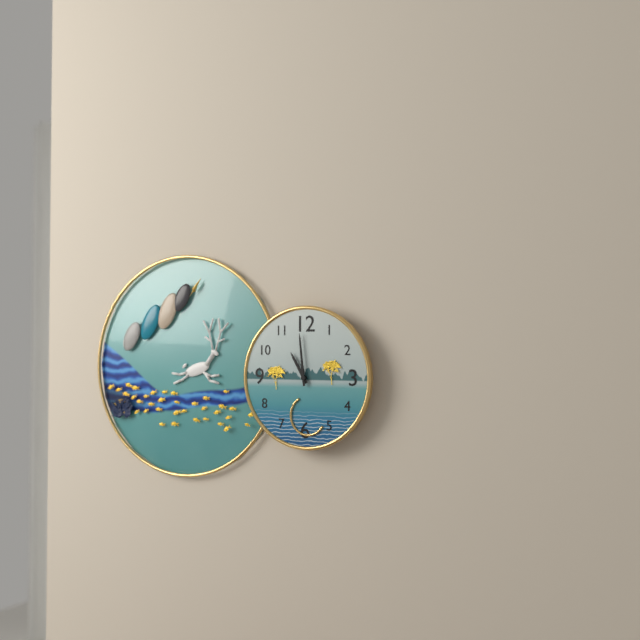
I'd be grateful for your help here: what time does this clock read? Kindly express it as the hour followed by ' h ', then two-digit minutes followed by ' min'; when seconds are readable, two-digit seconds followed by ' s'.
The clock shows 10 h 59 min
